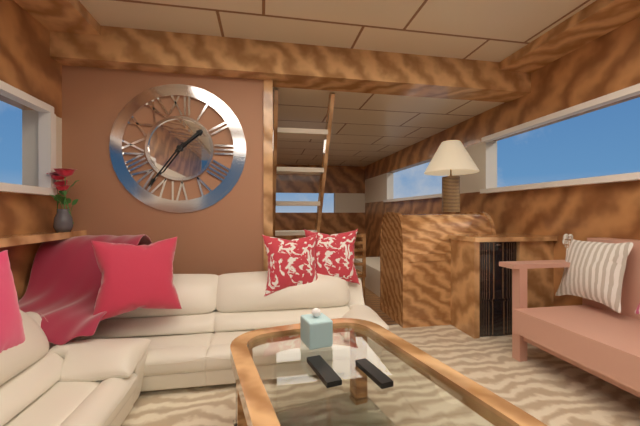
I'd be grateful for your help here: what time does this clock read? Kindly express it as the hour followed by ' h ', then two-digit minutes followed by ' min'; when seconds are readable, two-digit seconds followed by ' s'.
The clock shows 1 h 36 min
